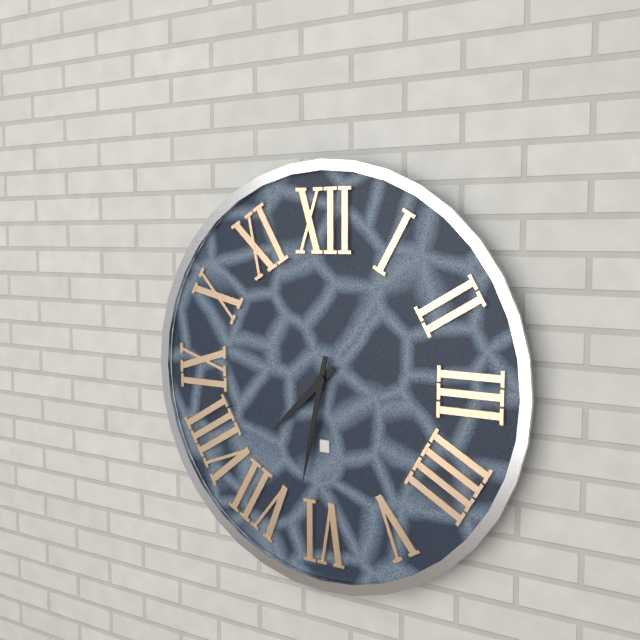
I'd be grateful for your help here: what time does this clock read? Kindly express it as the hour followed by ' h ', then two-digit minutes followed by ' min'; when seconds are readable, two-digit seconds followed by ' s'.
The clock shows 7 h 32 min
